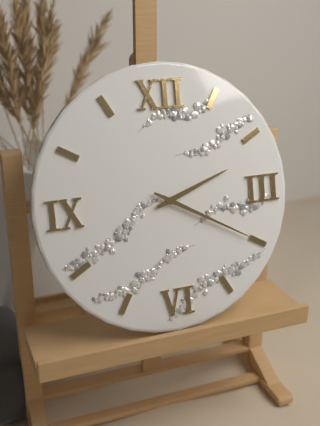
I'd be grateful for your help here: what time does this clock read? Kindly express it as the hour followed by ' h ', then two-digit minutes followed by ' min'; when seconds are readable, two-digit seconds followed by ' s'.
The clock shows 2 h 20 min
